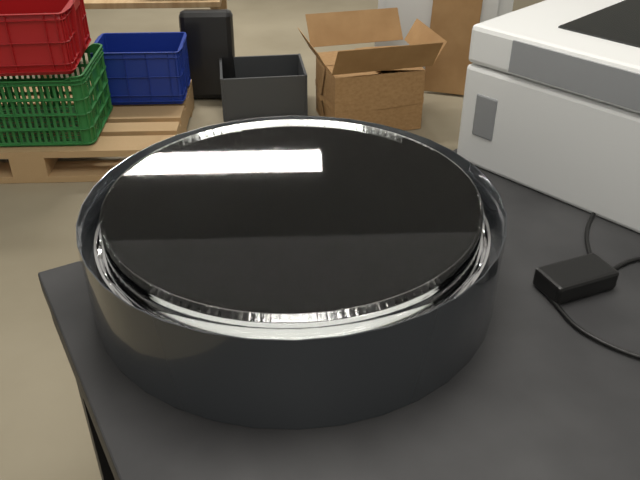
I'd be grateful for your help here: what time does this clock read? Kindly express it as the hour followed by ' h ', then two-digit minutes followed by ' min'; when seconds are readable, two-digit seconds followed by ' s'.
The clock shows 1 h 18 min
